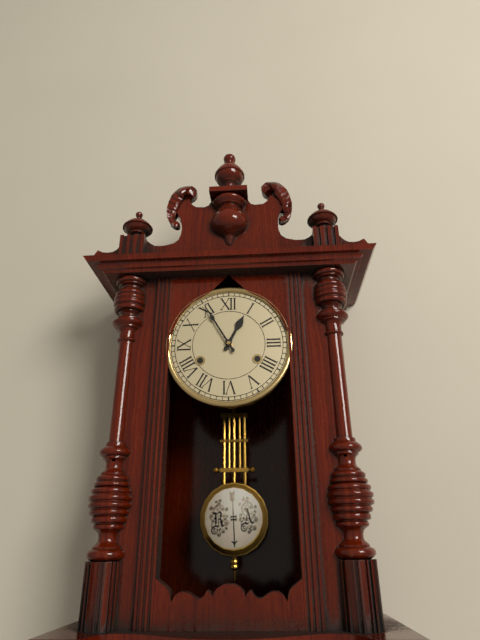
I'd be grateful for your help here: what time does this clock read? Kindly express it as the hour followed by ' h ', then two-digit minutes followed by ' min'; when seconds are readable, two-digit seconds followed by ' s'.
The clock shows 12 h 55 min
